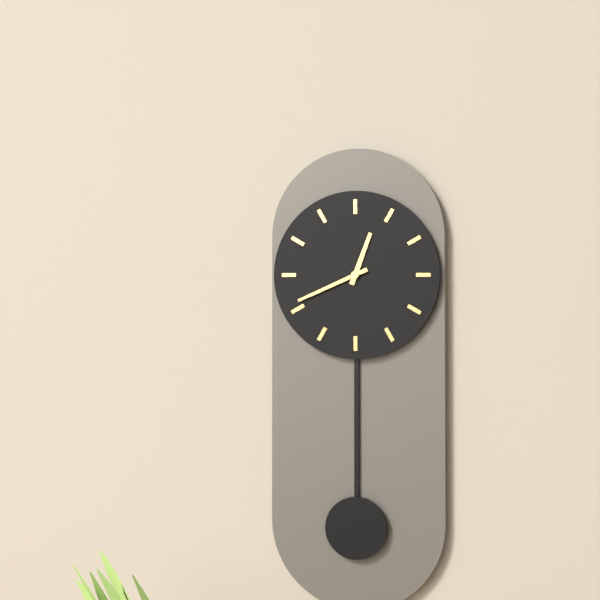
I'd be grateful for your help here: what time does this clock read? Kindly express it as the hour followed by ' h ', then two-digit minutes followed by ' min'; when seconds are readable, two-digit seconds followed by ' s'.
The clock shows 12 h 41 min
